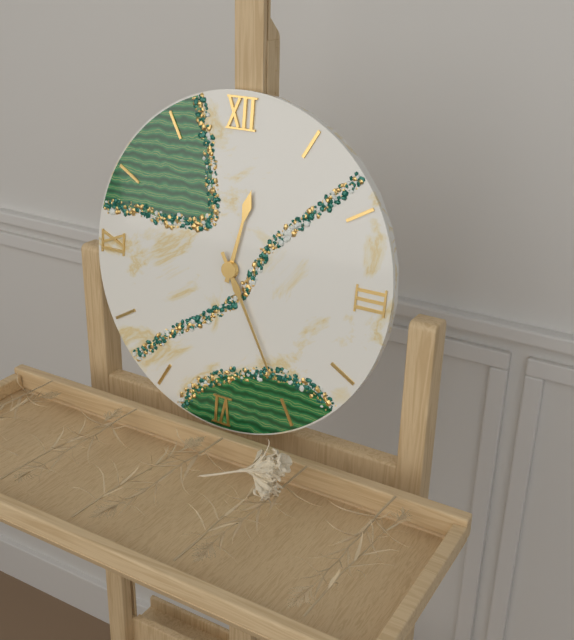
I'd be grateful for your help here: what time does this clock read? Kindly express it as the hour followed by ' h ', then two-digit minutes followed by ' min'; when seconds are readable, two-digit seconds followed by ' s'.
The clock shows 12 h 25 min
